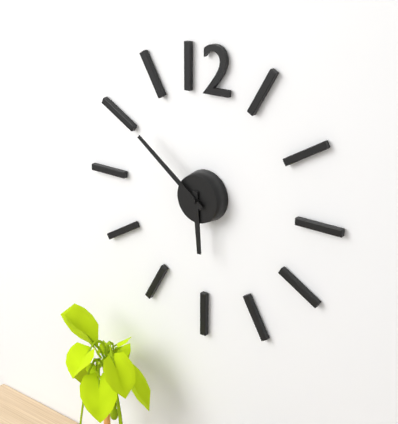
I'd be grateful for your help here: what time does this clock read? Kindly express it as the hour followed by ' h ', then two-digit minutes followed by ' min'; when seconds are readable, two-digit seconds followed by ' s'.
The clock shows 5 h 51 min
